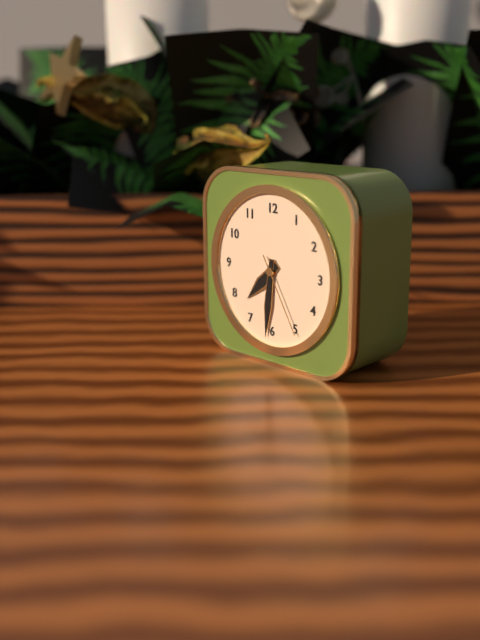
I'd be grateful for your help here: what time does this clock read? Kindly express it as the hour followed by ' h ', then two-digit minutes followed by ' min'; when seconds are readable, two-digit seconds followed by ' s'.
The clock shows 7 h 31 min 25 s
